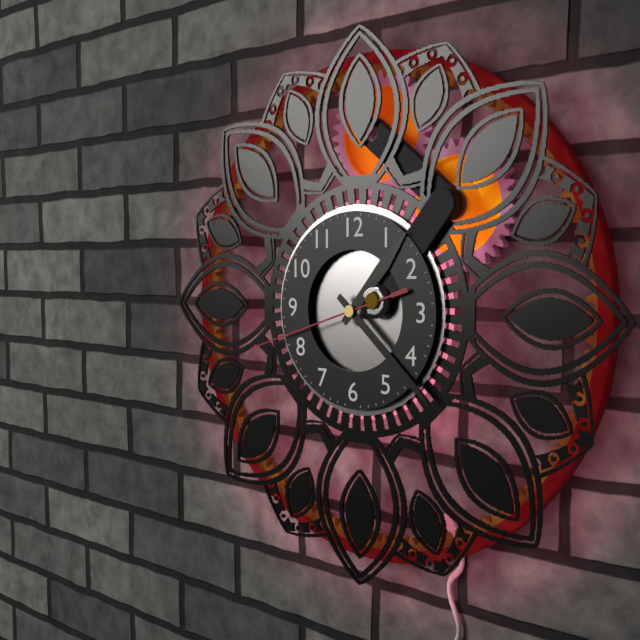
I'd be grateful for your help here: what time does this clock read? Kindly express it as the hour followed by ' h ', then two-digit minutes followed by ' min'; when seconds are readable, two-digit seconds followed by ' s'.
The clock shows 1 h 22 min 42 s
